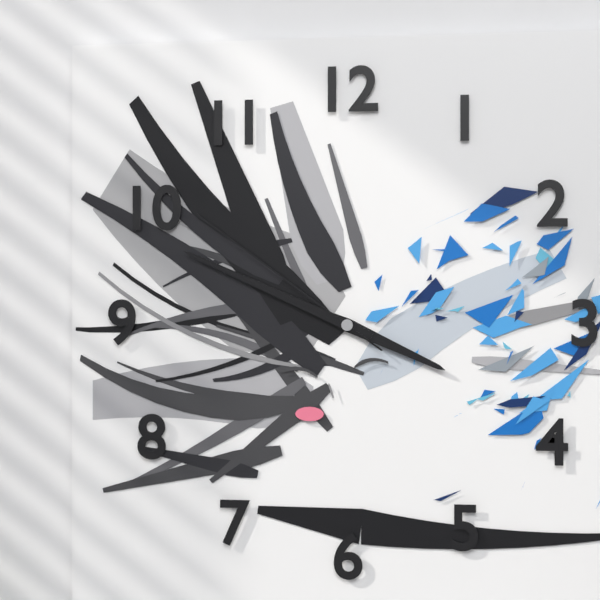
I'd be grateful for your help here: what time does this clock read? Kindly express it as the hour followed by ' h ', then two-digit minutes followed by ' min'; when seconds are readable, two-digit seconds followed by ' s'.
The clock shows 3 h 49 min 51 s
